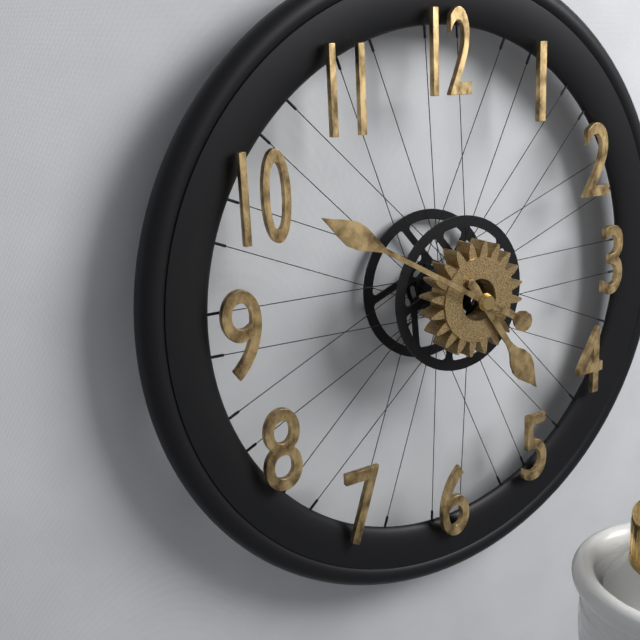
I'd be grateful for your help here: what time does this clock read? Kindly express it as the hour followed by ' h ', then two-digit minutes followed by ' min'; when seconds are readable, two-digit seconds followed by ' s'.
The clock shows 4 h 50 min
